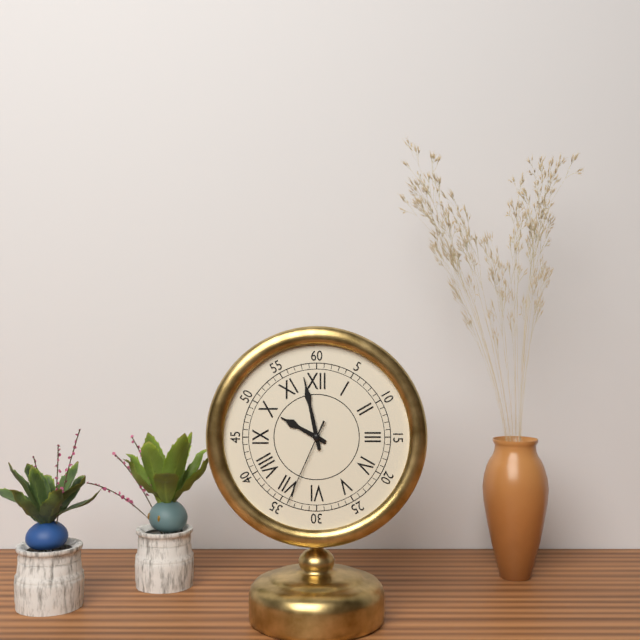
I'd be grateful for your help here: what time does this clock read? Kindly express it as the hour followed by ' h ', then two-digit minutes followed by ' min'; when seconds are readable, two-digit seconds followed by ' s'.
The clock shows 9 h 58 min 34 s
